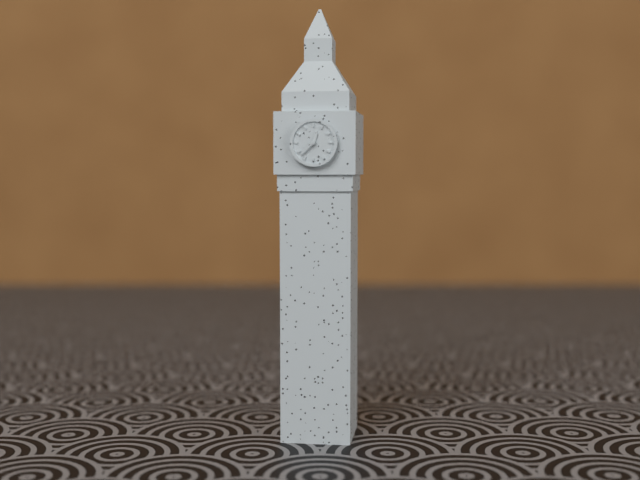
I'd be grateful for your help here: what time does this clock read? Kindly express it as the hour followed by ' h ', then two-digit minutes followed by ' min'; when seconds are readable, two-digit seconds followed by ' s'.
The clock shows 12 h 38 min
